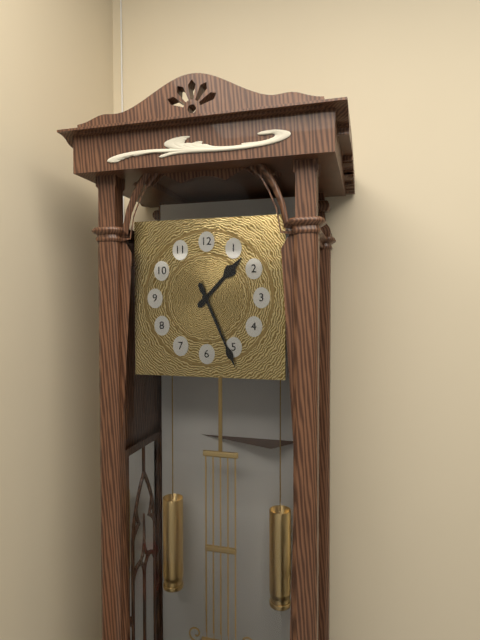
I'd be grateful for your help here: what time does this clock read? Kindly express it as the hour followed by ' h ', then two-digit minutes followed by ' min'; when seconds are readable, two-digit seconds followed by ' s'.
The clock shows 1 h 26 min
